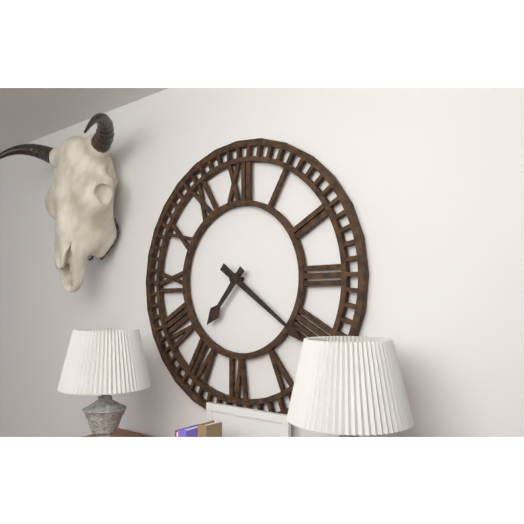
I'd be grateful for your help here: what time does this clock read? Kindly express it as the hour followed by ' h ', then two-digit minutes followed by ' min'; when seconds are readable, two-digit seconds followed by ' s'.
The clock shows 7 h 21 min
